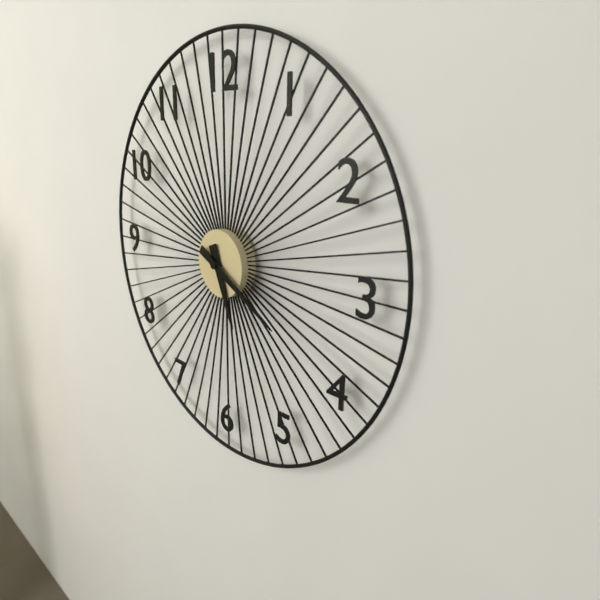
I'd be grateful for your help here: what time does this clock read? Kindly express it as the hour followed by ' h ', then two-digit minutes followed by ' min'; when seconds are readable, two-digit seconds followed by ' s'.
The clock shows 5 h 20 min
